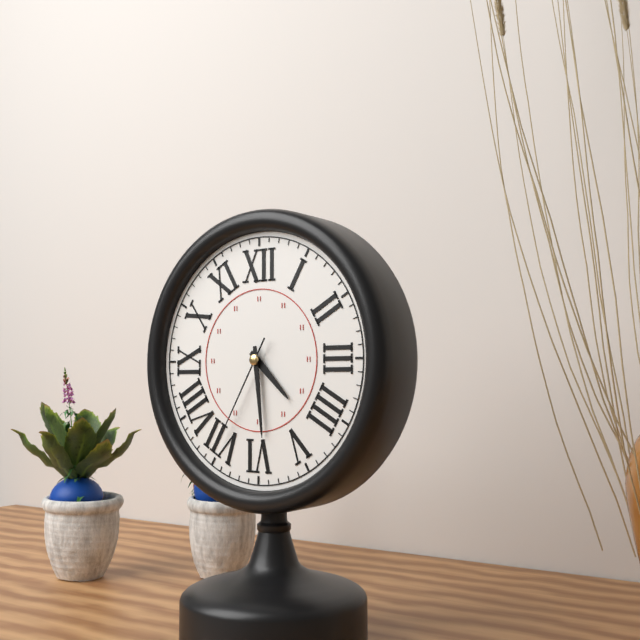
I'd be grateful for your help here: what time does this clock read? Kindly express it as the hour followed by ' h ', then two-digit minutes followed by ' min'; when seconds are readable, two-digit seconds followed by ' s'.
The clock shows 4 h 29 min 35 s
